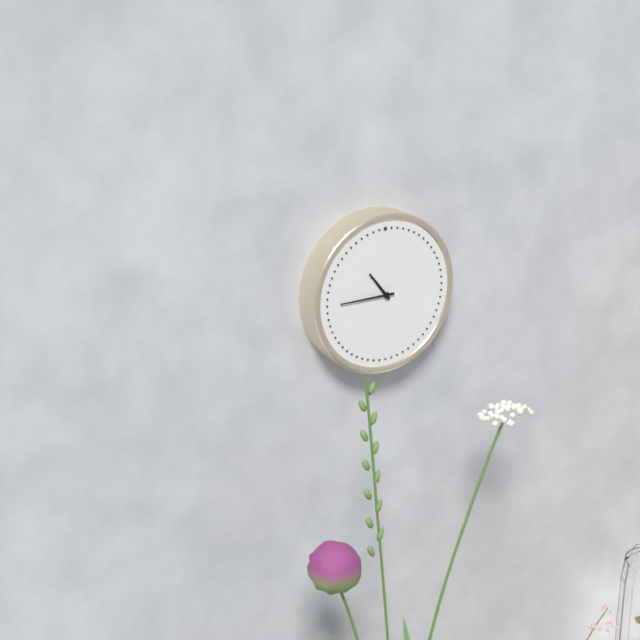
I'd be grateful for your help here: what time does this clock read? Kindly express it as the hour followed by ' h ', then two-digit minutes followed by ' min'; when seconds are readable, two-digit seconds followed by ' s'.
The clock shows 10 h 45 min
